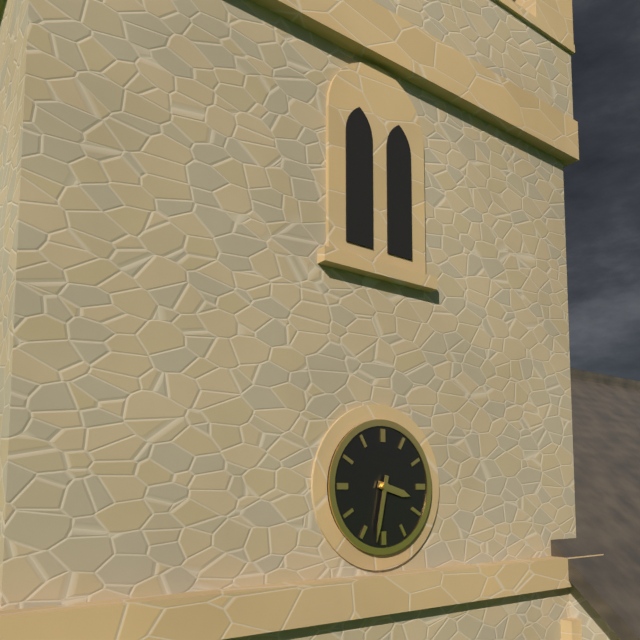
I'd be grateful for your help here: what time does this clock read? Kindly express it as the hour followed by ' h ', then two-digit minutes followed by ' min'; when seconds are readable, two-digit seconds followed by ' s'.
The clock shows 3 h 32 min
